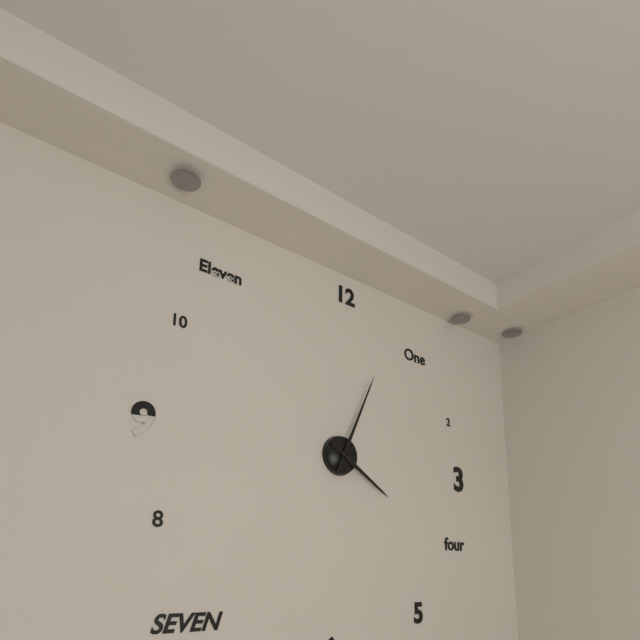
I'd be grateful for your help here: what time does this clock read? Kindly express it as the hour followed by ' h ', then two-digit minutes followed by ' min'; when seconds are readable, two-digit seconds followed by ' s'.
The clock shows 4 h 04 min
